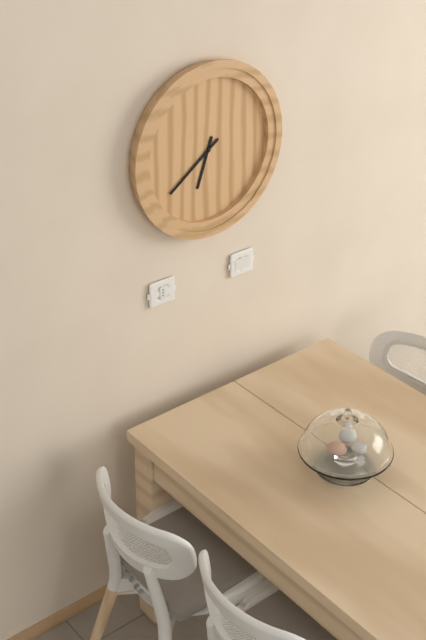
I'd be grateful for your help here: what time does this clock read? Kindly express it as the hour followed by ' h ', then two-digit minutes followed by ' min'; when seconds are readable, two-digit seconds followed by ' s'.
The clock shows 6 h 39 min
